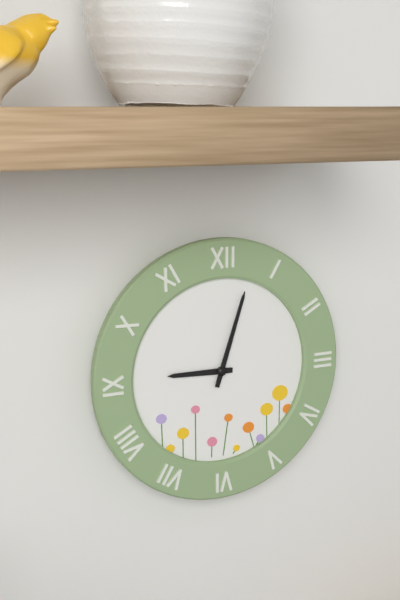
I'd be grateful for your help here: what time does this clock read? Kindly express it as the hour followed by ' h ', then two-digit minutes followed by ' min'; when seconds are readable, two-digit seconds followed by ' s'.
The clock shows 9 h 03 min
